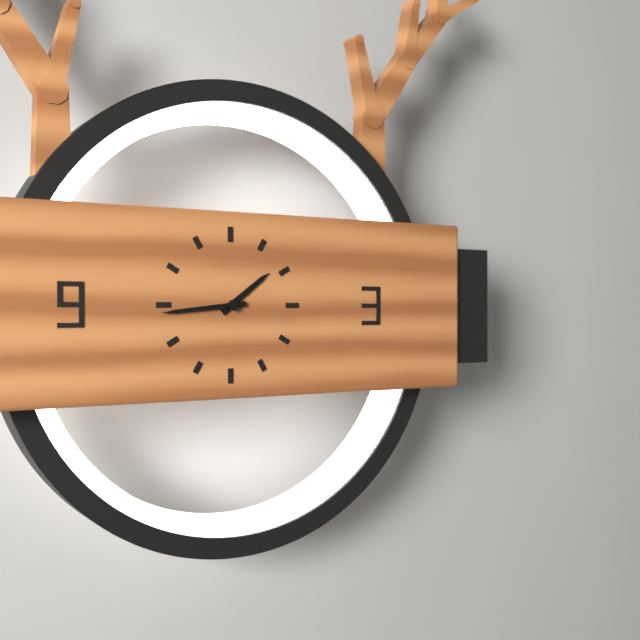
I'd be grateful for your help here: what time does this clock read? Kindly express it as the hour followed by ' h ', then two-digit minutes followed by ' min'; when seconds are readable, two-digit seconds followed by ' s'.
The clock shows 1 h 44 min
